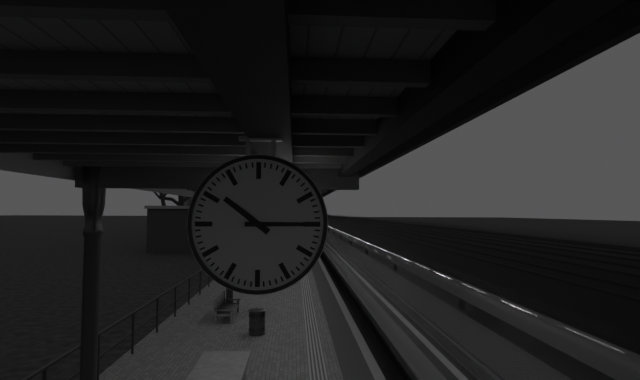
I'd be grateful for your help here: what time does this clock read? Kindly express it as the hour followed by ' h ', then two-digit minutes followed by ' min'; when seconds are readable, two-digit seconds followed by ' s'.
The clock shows 10 h 15 min
